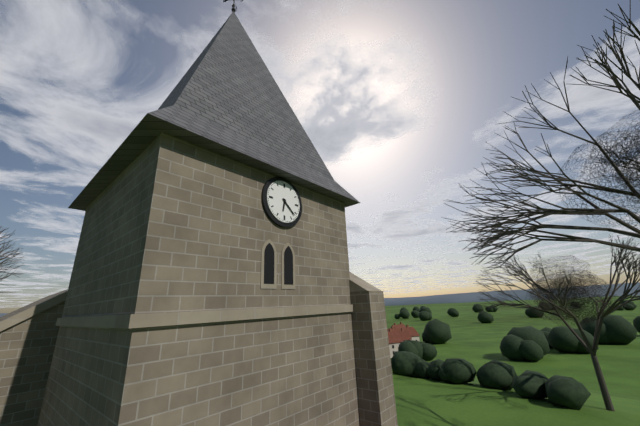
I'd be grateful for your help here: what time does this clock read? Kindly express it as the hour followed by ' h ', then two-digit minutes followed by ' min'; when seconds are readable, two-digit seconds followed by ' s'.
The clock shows 6 h 22 min
